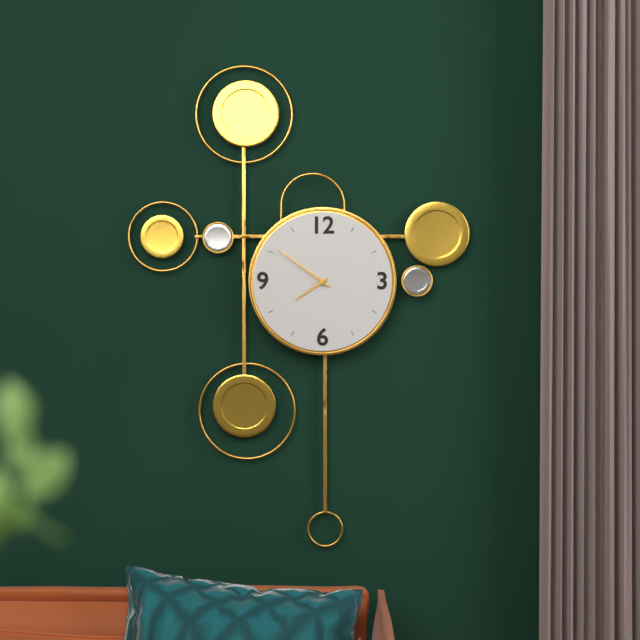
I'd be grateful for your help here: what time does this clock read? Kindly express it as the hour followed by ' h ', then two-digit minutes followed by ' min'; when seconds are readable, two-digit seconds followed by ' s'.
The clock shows 7 h 51 min
